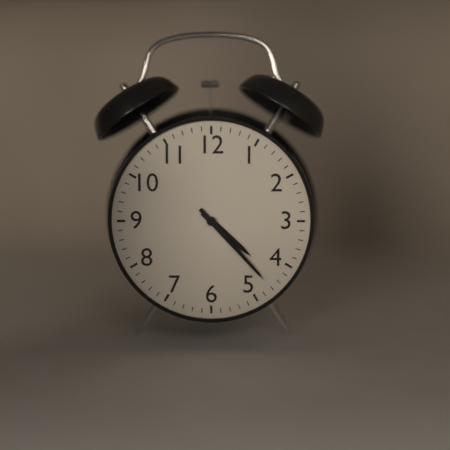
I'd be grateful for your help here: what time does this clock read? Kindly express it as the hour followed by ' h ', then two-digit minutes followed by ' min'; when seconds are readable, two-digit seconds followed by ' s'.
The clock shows 4 h 23 min
